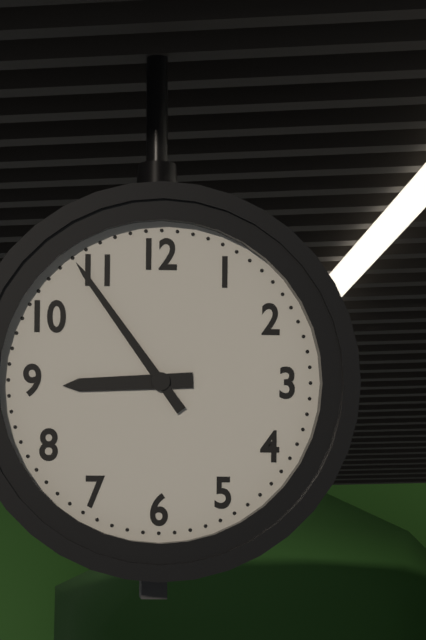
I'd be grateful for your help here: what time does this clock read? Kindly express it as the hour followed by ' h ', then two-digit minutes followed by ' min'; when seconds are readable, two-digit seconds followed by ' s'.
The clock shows 8 h 54 min
